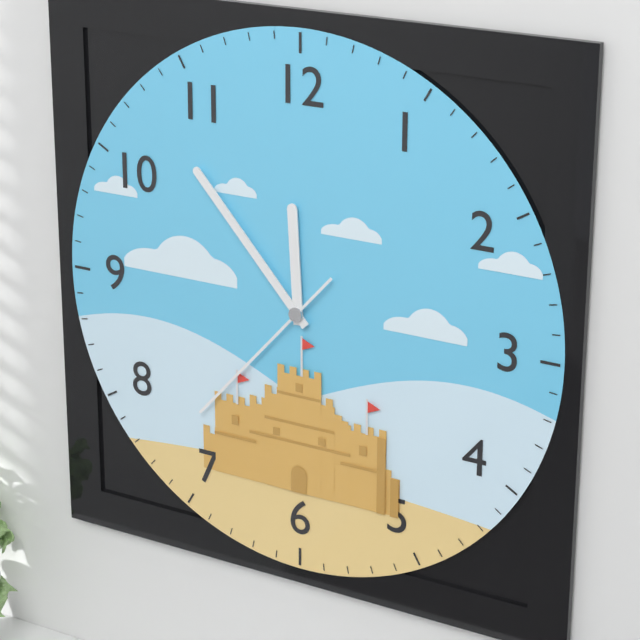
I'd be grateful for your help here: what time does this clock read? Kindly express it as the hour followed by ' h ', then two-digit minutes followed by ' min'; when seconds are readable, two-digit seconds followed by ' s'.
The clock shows 11 h 53 min 37 s
